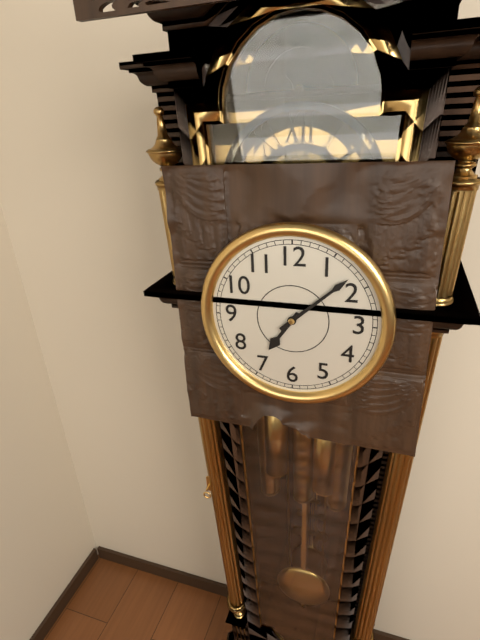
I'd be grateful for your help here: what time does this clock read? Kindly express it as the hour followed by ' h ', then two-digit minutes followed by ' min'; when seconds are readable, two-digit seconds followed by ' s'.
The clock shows 7 h 08 min
